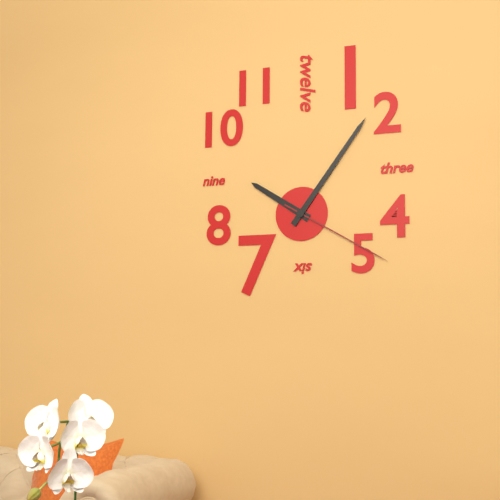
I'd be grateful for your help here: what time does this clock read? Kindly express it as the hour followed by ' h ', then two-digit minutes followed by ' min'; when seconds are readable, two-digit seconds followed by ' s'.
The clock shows 10 h 06 min 20 s
